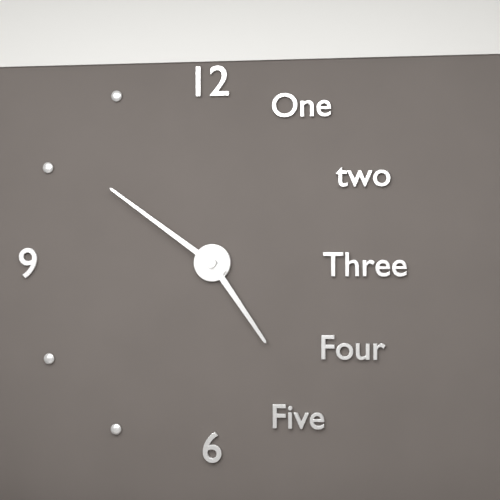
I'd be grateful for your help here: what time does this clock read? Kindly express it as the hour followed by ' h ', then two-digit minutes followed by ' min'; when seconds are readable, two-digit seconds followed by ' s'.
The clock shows 4 h 51 min
